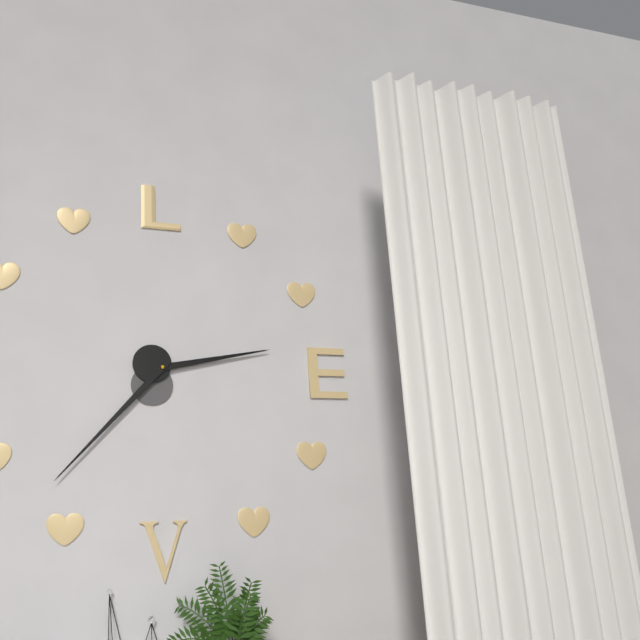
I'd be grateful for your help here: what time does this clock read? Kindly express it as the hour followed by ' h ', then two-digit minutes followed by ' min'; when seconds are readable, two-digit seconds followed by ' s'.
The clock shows 2 h 37 min
